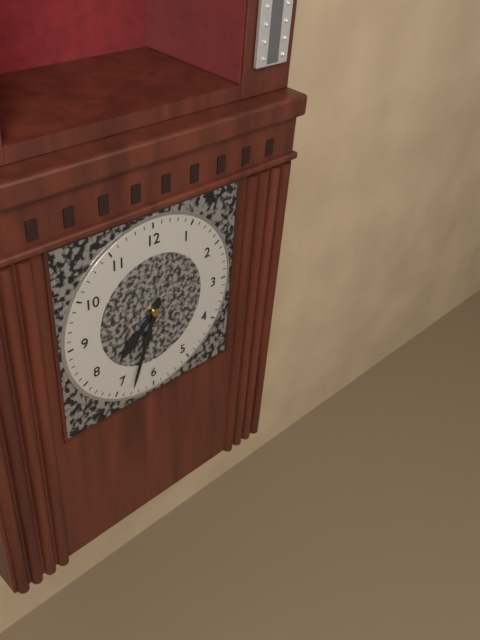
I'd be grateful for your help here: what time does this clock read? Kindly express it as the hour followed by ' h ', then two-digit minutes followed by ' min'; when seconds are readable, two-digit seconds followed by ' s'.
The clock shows 7 h 33 min
